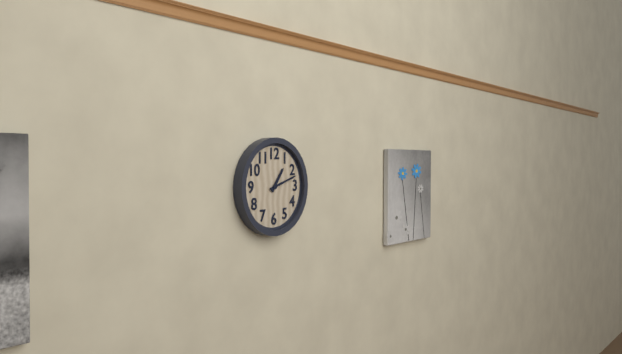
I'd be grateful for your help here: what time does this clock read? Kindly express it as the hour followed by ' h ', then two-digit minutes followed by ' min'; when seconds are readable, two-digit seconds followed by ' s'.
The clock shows 1 h 12 min
